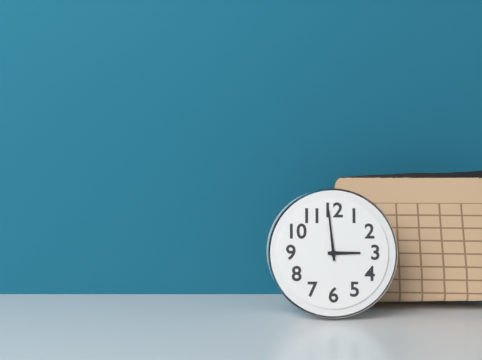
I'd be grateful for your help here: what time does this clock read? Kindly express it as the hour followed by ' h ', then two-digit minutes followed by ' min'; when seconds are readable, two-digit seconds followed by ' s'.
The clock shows 2 h 59 min
